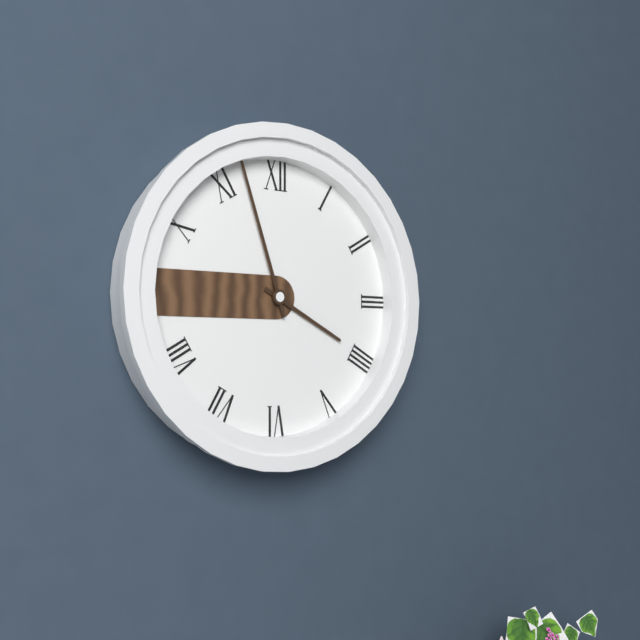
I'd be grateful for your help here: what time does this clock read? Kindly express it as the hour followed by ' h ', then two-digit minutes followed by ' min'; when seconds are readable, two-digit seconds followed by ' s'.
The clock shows 3 h 57 min
